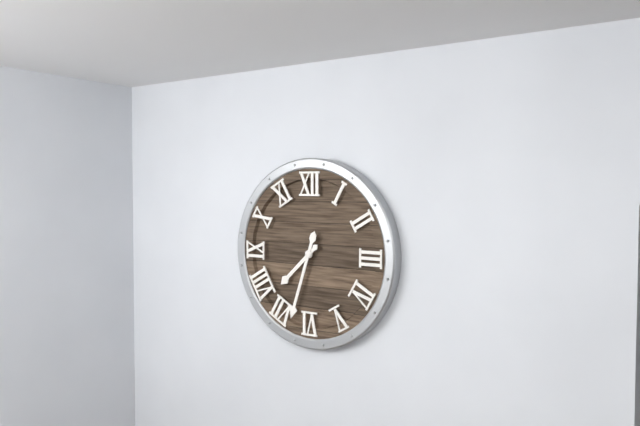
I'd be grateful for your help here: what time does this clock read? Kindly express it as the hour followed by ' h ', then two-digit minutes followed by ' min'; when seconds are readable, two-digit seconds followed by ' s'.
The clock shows 7 h 33 min
